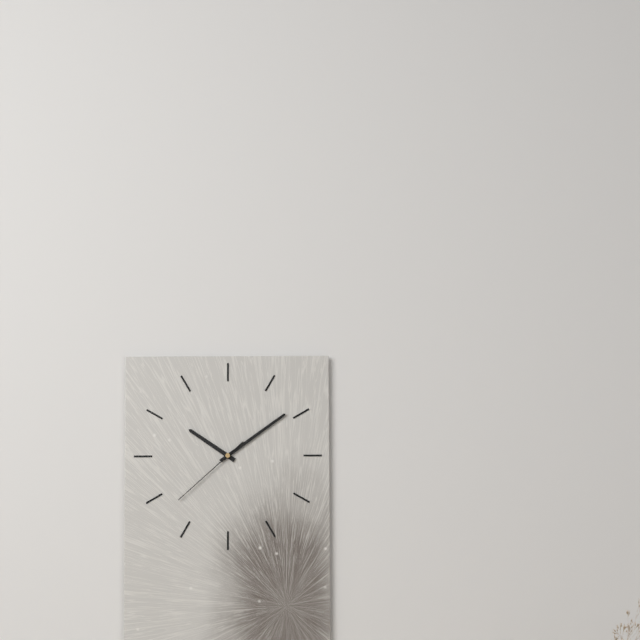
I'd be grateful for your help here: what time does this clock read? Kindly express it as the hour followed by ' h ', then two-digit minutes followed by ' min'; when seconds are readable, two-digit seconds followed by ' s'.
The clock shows 10 h 09 min 38 s
